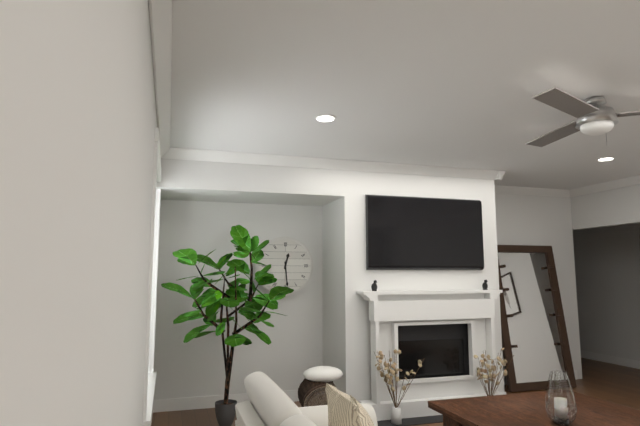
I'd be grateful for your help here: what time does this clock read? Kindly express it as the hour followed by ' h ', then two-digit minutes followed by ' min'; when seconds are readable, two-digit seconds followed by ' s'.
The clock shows 12 h 29 min
